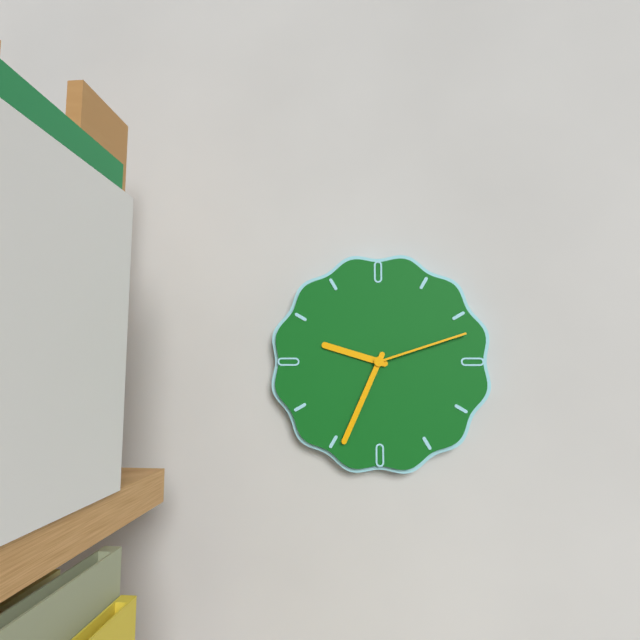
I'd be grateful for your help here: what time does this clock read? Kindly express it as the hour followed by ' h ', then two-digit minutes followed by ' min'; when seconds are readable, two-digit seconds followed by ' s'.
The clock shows 9 h 34 min 12 s
